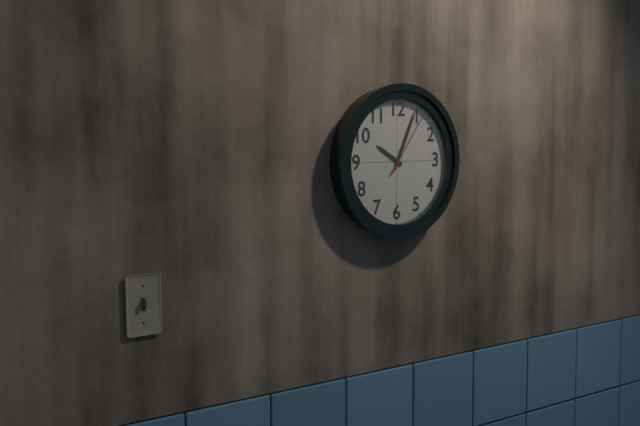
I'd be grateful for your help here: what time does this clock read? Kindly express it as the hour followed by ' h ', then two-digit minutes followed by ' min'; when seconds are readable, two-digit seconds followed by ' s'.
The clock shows 10 h 04 min 06 s
